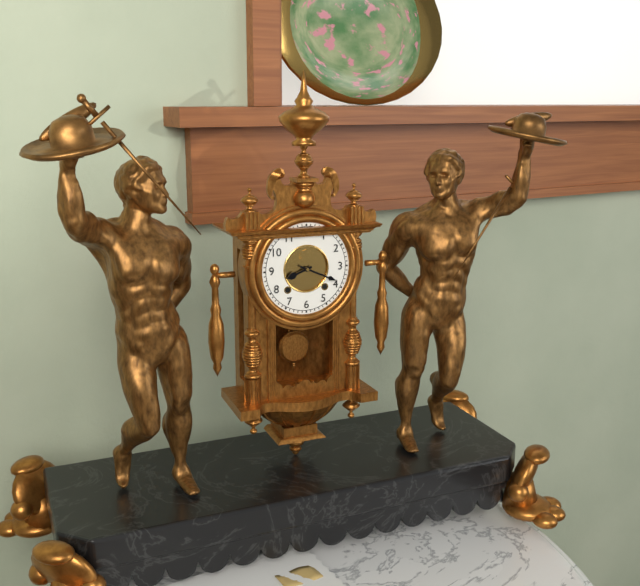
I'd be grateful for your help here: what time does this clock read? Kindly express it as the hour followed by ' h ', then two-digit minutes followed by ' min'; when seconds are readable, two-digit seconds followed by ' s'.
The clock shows 8 h 19 min
